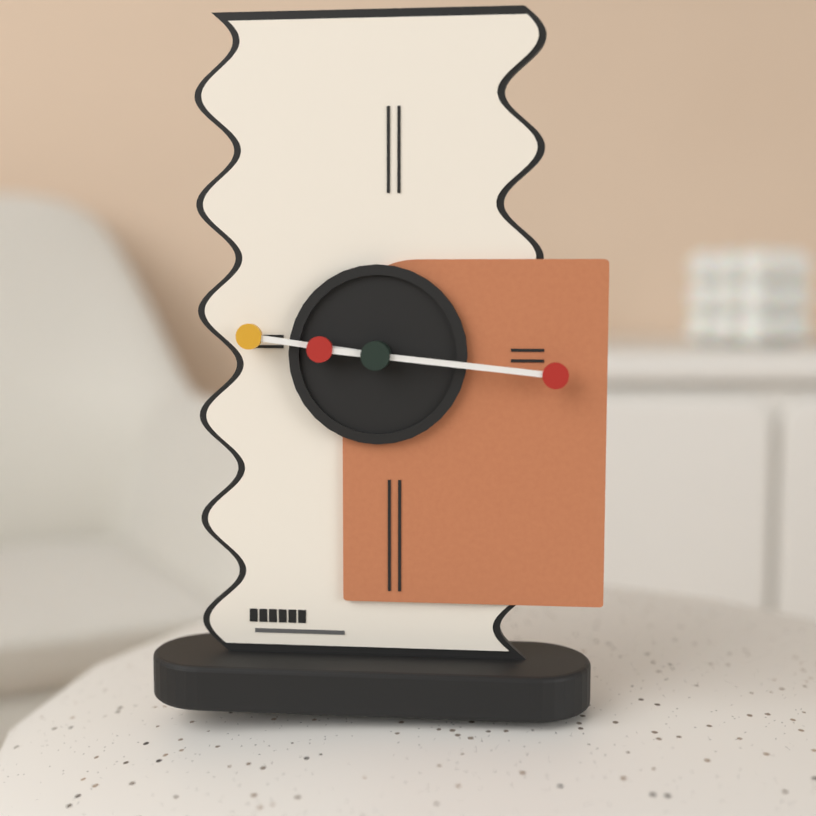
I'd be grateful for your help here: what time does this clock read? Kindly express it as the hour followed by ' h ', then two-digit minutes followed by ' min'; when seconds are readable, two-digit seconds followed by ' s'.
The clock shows 9 h 16 min
